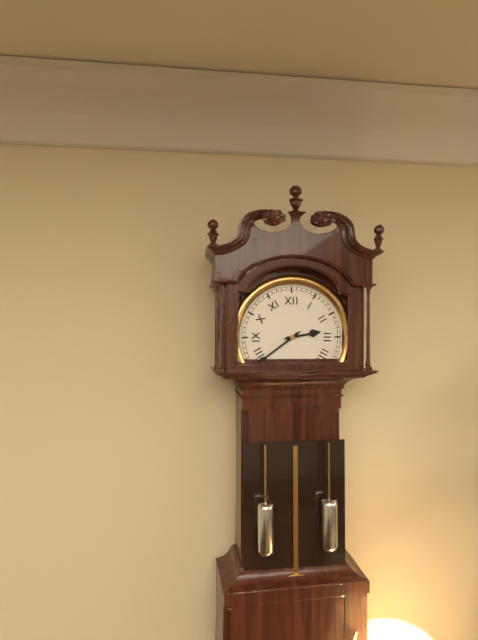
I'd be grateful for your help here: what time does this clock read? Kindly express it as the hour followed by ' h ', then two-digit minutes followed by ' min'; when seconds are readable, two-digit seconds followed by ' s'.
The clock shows 2 h 39 min
